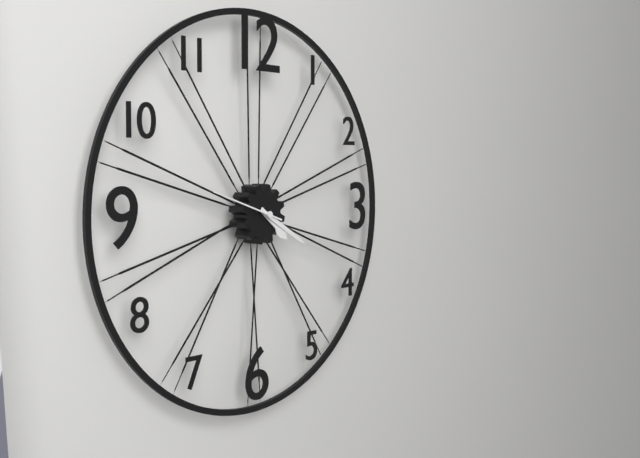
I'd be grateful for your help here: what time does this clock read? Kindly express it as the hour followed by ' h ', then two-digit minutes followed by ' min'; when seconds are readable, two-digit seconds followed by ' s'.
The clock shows 4 h 20 min 48 s
